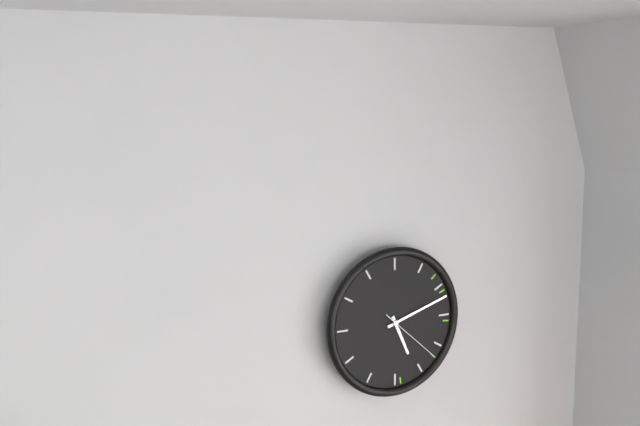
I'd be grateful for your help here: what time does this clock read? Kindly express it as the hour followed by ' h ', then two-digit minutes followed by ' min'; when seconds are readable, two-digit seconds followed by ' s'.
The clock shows 5 h 12 min 22 s
